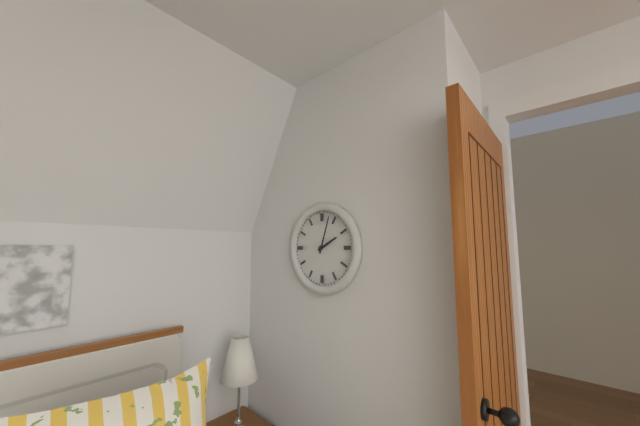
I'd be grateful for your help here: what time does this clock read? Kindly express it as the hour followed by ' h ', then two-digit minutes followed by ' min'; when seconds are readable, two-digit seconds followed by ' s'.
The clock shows 2 h 03 min
